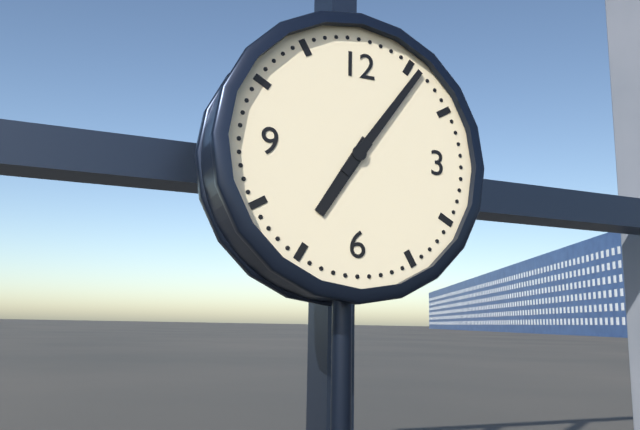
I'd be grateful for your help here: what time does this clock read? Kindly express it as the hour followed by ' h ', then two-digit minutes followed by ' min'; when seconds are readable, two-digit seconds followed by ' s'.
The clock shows 7 h 06 min
